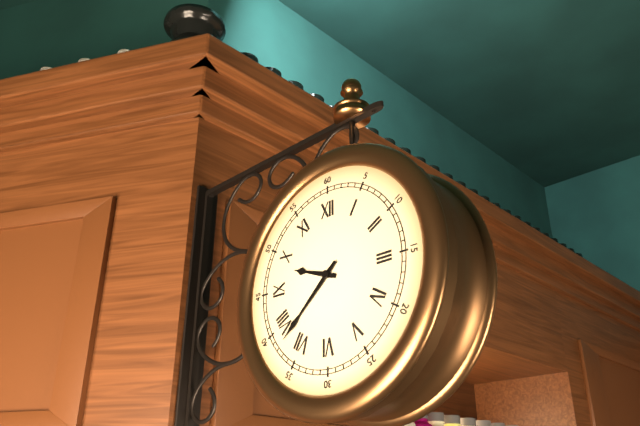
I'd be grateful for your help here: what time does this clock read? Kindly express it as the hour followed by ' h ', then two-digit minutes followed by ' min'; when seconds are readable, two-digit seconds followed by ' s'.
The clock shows 9 h 38 min
